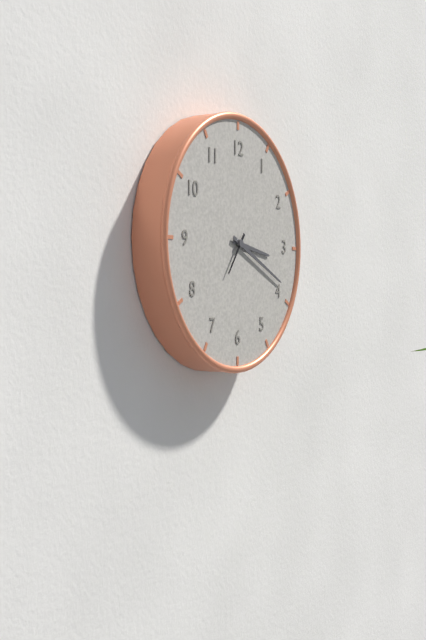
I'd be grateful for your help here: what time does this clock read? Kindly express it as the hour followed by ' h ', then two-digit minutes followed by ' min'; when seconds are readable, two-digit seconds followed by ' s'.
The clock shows 3 h 19 min
